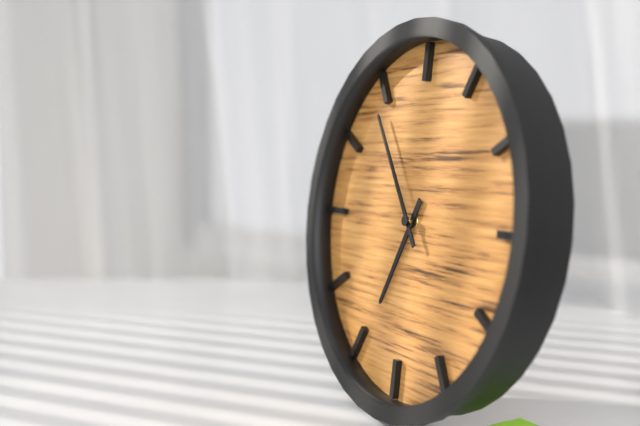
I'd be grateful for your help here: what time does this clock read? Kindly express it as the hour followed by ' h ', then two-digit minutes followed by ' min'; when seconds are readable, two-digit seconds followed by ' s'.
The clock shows 6 h 54 min
